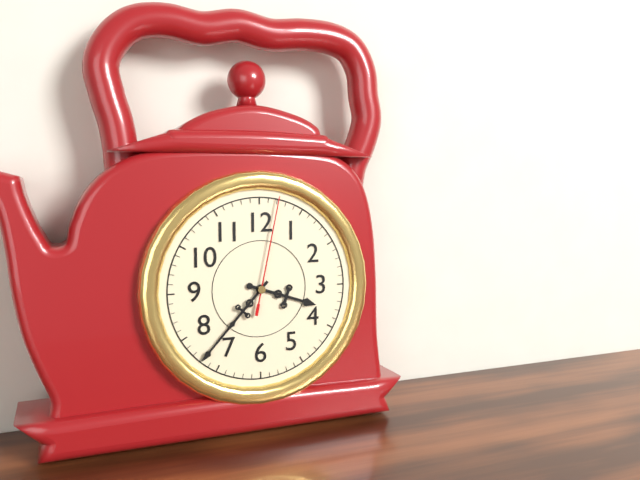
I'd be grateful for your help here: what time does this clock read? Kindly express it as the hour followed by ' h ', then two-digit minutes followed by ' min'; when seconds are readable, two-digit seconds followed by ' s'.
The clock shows 3 h 37 min 02 s
